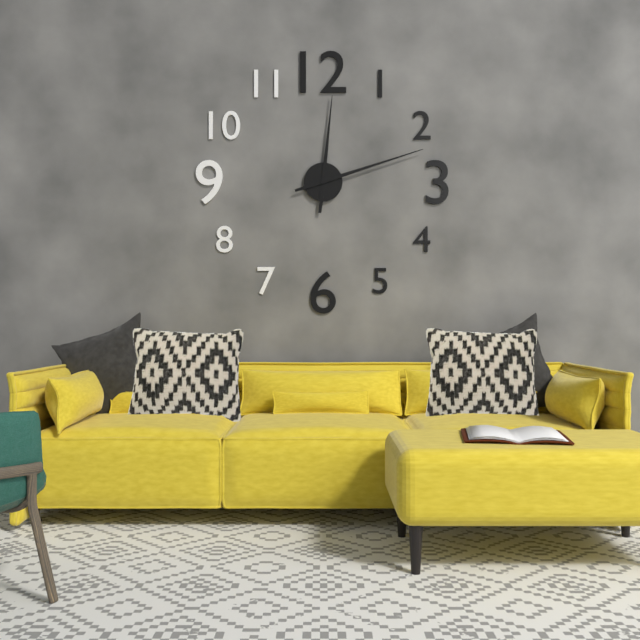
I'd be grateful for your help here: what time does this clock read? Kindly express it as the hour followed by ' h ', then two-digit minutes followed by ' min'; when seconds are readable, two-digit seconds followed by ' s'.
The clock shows 12 h 12 min
